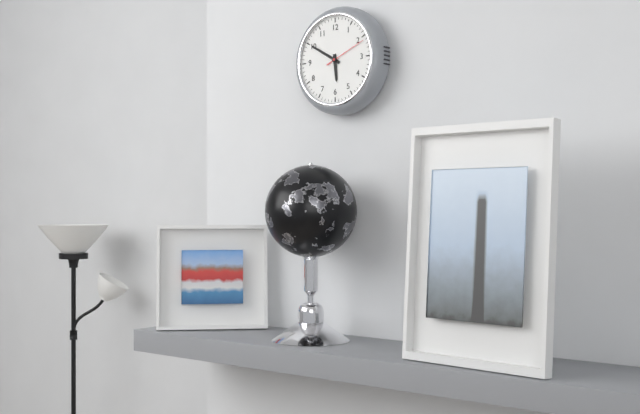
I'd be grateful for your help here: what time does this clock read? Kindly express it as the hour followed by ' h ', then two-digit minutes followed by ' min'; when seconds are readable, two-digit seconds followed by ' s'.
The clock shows 5 h 50 min
